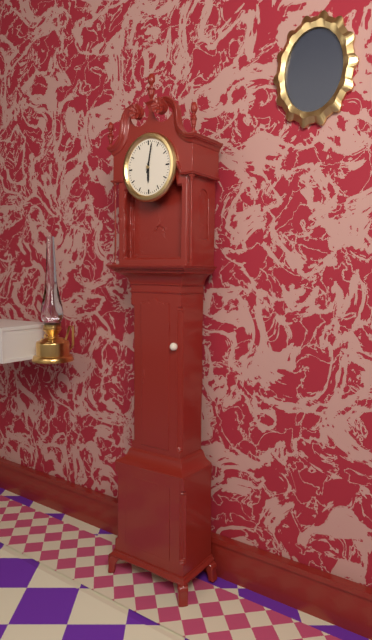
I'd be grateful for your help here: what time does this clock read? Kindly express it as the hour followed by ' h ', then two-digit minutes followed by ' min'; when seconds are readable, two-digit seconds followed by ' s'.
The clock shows 6 h 02 min
